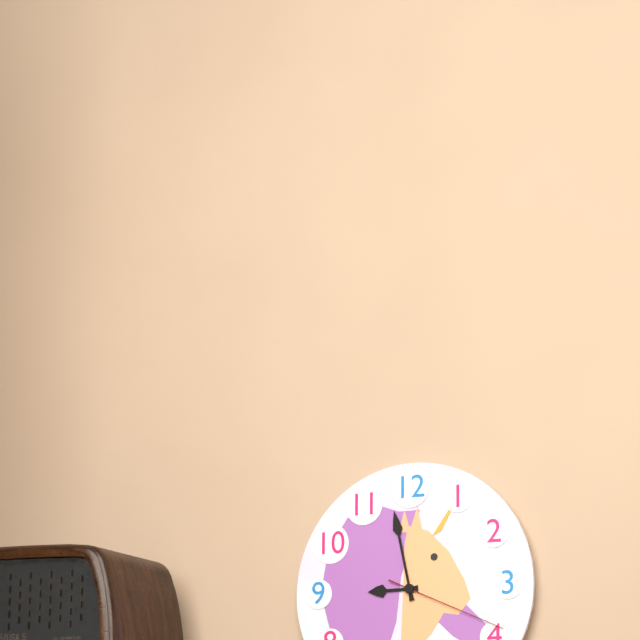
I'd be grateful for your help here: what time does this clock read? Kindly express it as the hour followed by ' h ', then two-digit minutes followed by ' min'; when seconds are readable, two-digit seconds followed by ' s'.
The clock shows 8 h 58 min 19 s
